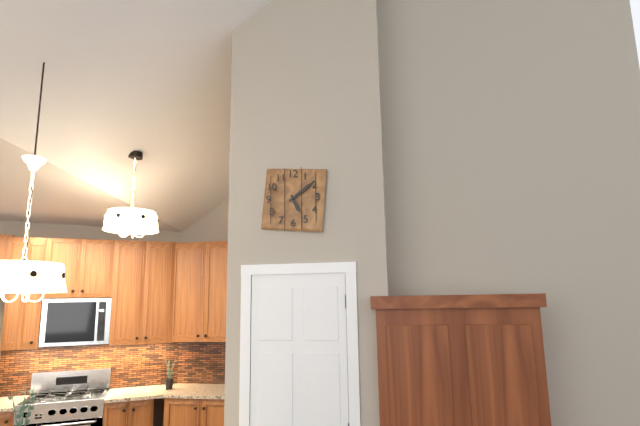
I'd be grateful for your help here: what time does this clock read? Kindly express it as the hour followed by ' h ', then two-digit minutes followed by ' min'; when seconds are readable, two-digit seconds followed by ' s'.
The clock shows 5 h 09 min
